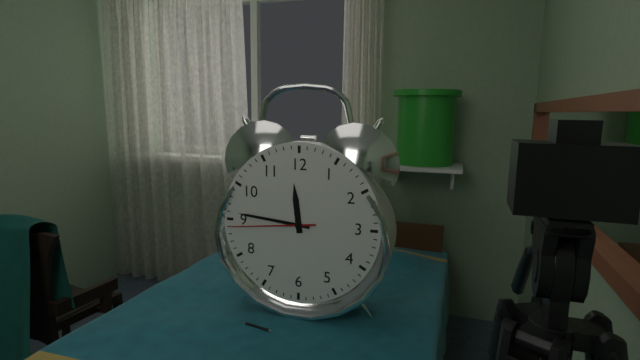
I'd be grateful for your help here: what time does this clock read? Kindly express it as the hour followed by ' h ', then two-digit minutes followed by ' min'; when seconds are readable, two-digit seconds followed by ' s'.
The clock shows 11 h 46 min 44 s
